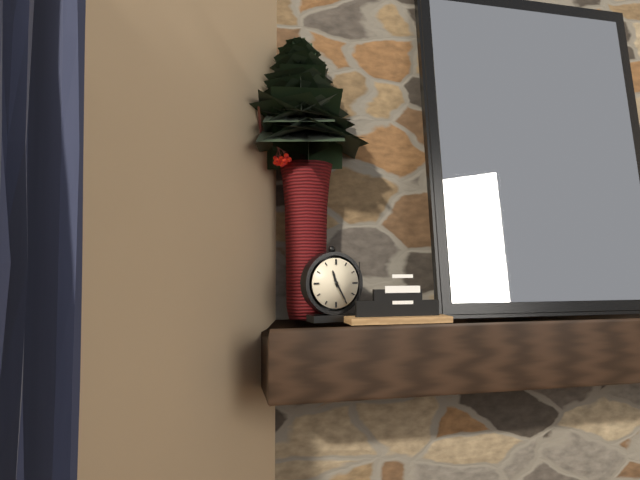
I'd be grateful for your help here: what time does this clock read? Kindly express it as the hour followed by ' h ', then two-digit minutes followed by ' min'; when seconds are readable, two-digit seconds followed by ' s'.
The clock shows 11 h 25 min
